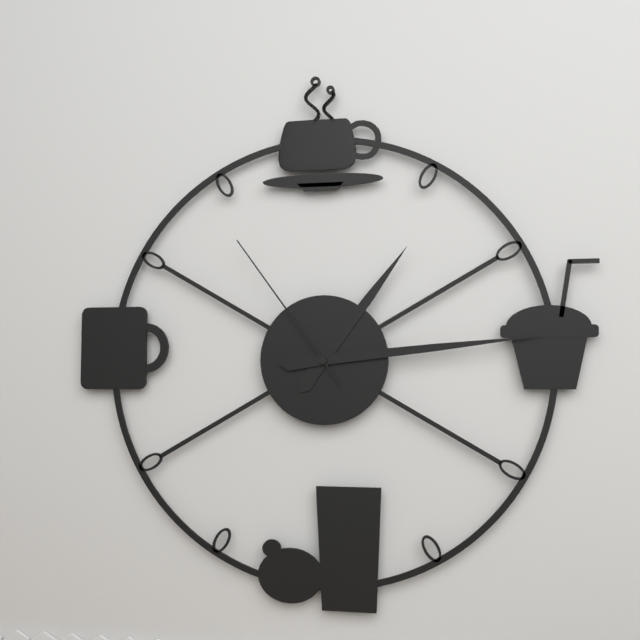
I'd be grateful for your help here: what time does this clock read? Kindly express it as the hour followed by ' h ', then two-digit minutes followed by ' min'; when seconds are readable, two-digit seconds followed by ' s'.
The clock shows 1 h 14 min 54 s
